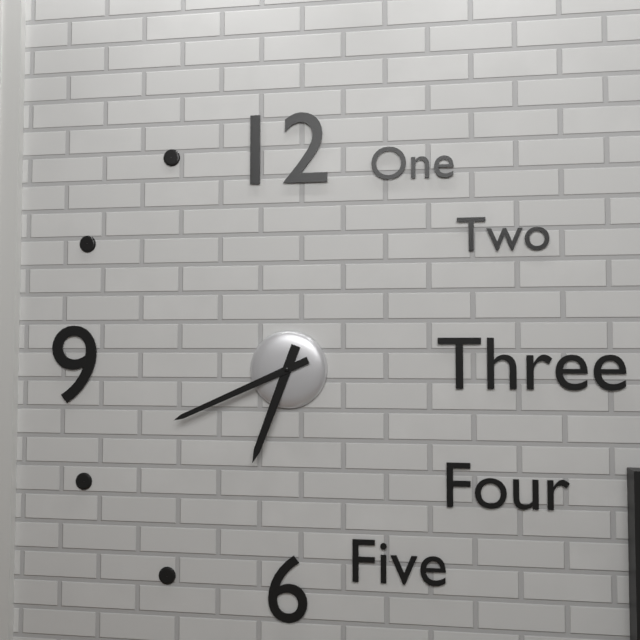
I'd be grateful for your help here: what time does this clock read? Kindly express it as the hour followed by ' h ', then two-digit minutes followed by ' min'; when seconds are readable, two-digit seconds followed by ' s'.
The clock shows 6 h 41 min
